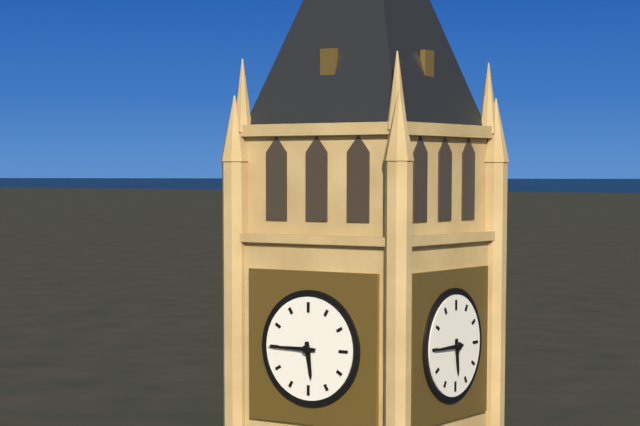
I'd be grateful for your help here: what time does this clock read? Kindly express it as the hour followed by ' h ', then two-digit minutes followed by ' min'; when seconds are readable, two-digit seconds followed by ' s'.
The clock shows 5 h 45 min
